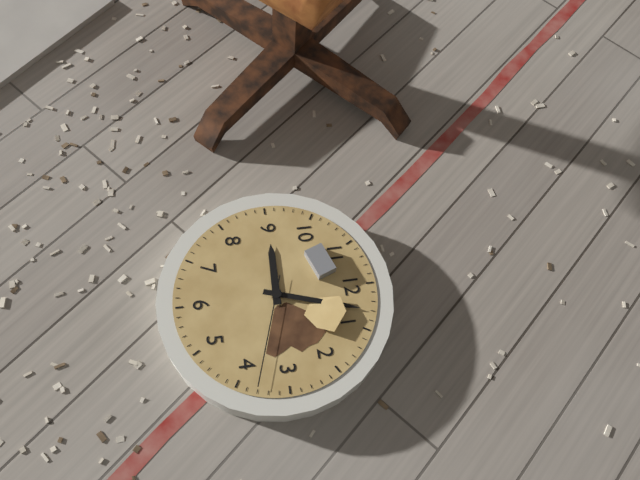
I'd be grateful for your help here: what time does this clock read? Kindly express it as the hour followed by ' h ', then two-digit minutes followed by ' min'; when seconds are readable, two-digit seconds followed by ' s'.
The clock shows 9 h 03 min 18 s
